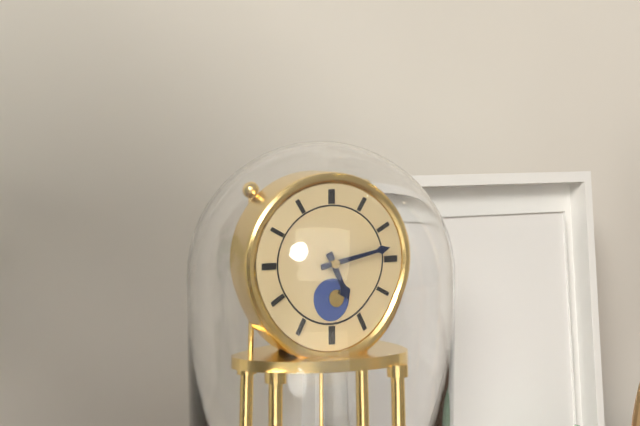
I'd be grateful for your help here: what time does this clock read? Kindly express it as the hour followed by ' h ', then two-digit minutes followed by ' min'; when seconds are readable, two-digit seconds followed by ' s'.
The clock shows 5 h 13 min
